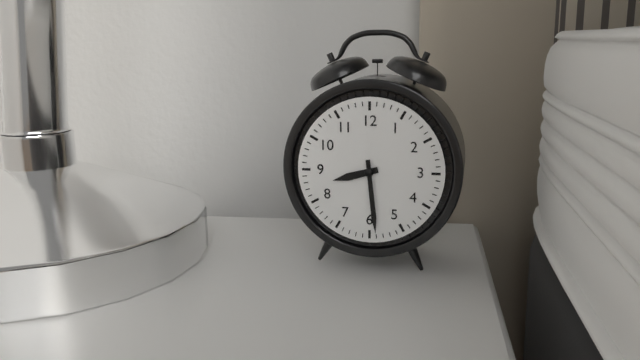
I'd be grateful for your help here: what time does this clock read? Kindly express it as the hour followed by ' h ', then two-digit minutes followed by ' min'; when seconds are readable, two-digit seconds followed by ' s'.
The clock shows 8 h 29 min
